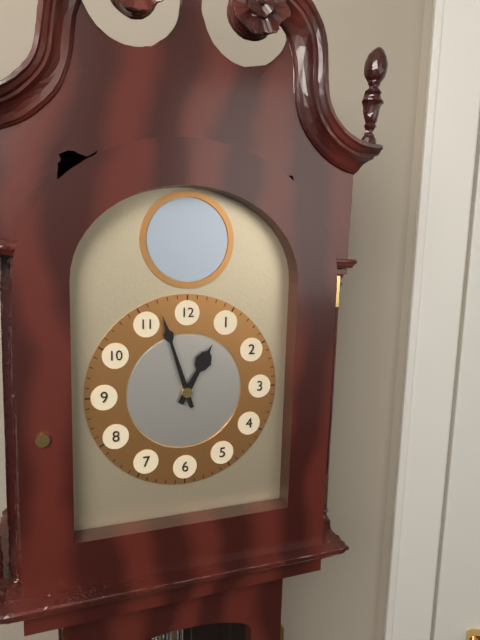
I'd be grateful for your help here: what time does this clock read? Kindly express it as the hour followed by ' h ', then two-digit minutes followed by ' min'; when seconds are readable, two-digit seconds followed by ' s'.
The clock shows 12 h 57 min
